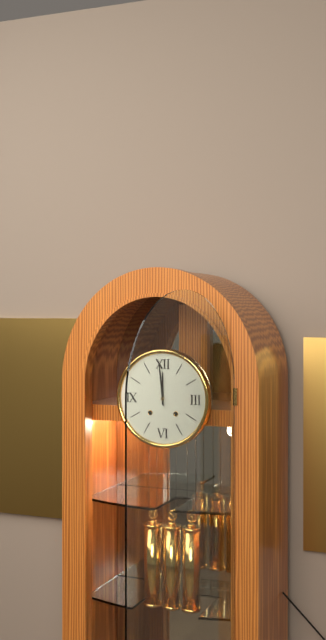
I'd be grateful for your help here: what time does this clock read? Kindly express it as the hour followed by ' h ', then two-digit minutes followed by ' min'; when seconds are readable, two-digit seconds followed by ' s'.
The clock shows 11 h 59 min
